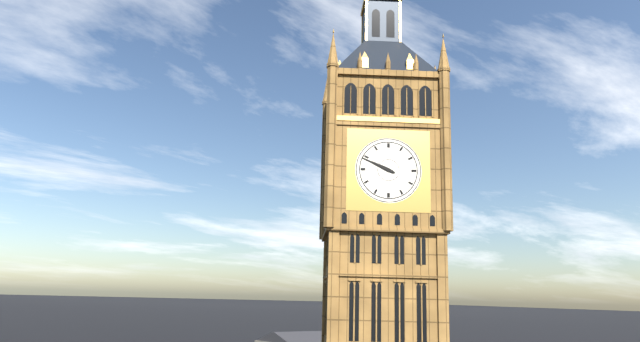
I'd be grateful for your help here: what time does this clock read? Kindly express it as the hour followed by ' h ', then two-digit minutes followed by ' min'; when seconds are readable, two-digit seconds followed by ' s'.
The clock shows 9 h 49 min
